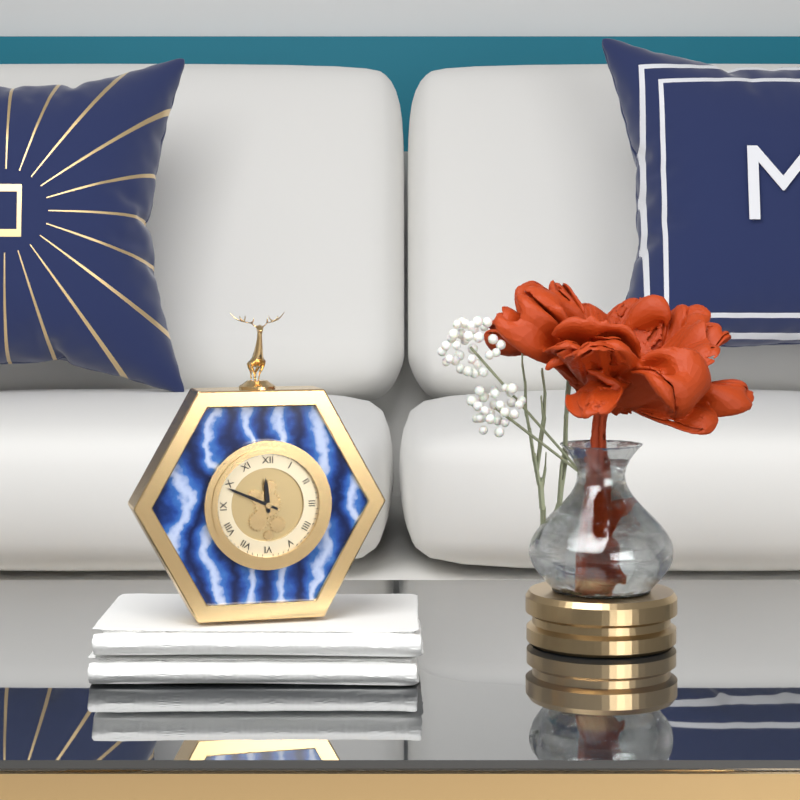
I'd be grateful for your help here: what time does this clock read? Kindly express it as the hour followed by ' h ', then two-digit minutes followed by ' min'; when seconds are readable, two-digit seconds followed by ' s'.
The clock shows 11 h 49 min
